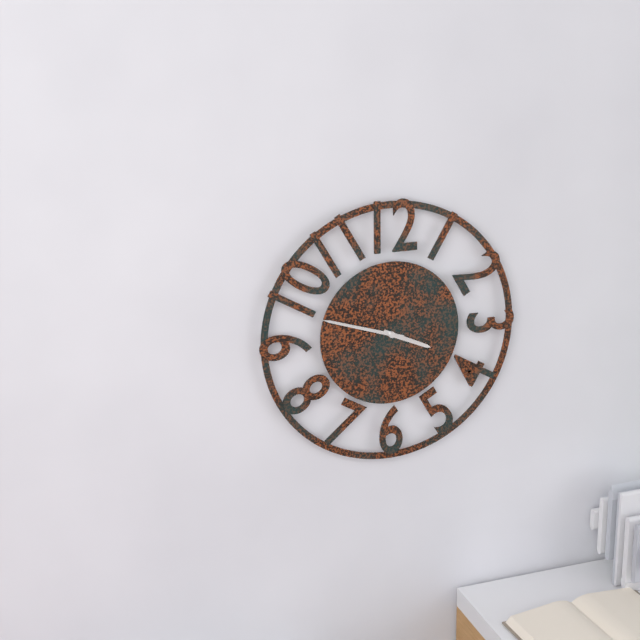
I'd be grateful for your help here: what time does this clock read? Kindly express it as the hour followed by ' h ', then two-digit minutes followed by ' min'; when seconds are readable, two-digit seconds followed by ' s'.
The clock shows 3 h 48 min 48 s
